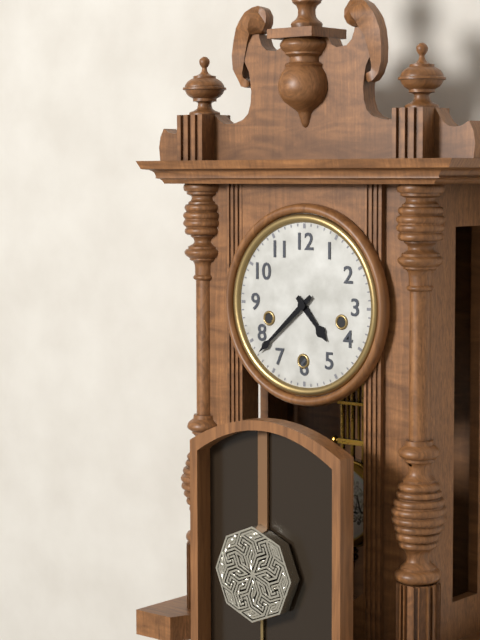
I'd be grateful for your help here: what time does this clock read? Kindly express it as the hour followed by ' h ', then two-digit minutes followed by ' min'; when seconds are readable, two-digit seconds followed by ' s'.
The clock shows 4 h 38 min
